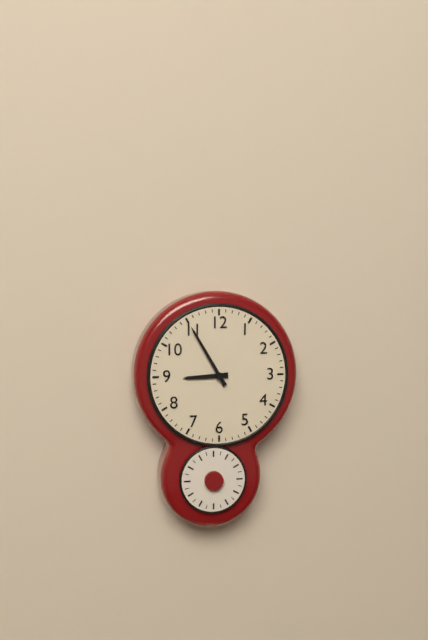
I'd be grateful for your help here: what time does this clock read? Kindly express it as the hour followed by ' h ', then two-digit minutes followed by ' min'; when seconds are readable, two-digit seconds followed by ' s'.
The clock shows 8 h 55 min
